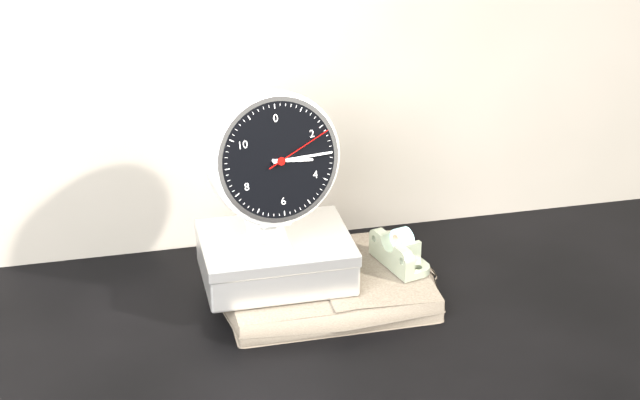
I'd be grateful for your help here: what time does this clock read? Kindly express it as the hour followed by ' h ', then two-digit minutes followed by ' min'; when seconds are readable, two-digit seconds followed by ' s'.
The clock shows 3 h 15 min 11 s
